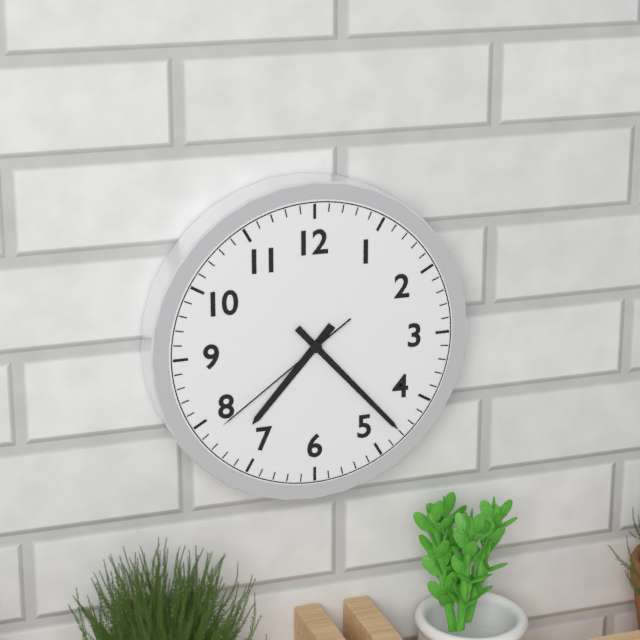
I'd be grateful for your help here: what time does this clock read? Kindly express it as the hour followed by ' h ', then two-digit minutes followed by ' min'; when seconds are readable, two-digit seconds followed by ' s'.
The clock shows 7 h 23 min 39 s
